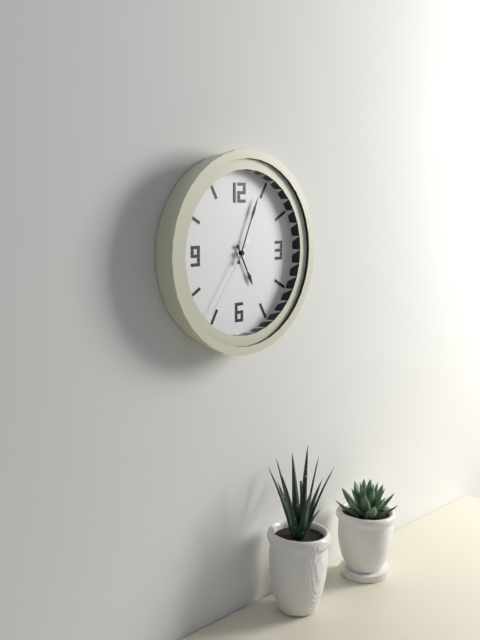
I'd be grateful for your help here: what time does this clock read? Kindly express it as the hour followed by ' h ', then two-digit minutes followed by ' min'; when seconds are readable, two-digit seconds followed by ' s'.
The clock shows 5 h 04 min 36 s
